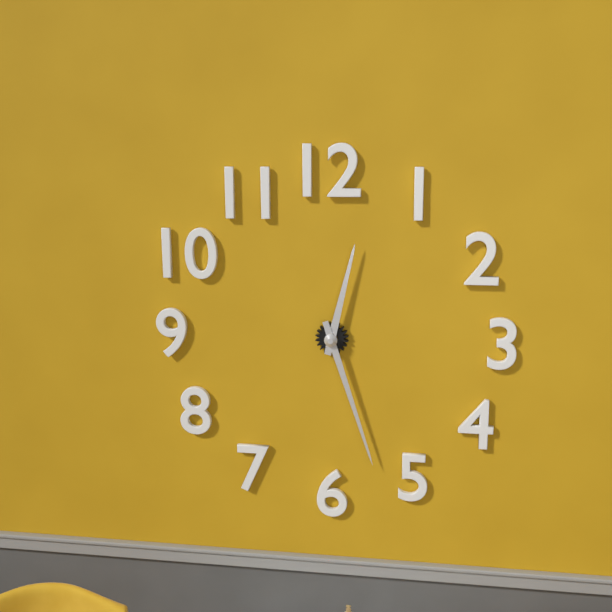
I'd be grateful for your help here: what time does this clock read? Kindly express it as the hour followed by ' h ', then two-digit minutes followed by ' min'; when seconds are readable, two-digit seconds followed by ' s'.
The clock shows 12 h 27 min
